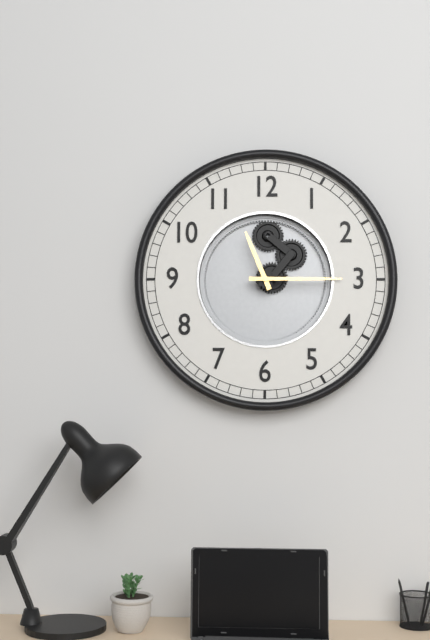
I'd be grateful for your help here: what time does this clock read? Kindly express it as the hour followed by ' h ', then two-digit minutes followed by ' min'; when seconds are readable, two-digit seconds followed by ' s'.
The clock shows 11 h 15 min
